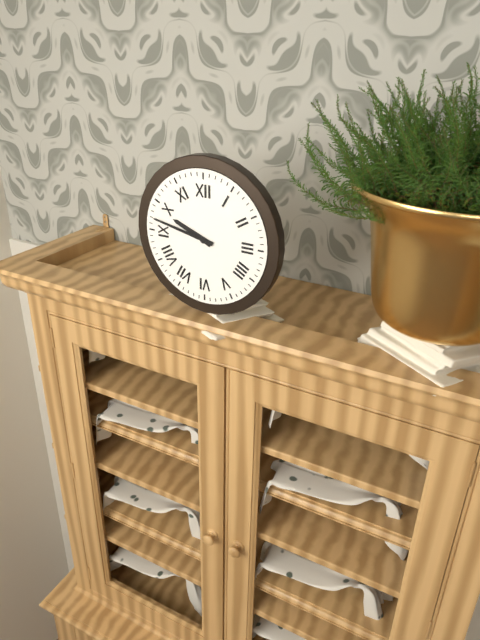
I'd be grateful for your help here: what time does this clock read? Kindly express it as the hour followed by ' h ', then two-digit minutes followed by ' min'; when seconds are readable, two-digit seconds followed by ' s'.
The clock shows 9 h 47 min
